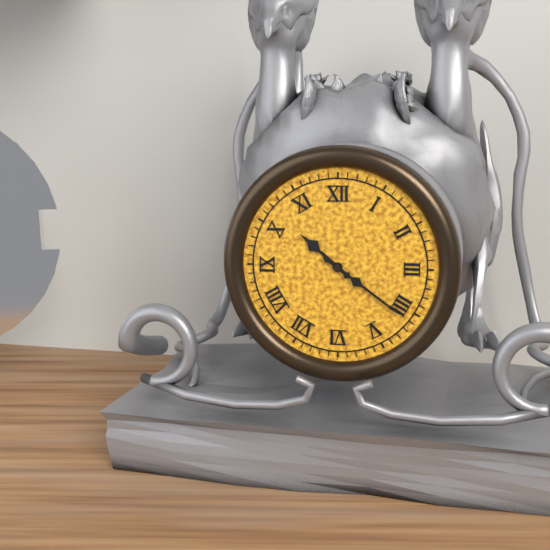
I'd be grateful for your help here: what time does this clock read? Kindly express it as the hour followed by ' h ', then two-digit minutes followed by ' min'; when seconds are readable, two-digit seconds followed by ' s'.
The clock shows 10 h 21 min
